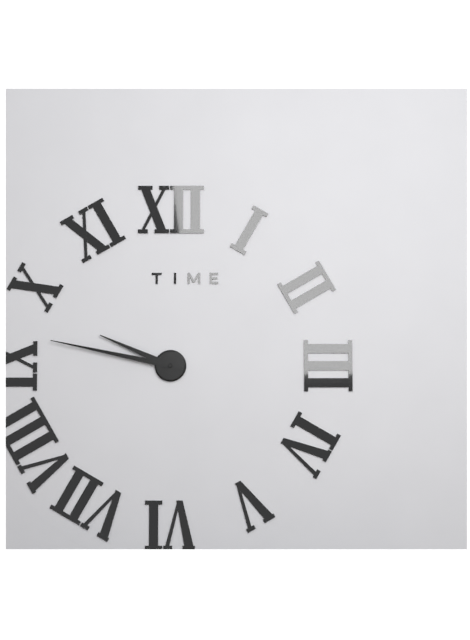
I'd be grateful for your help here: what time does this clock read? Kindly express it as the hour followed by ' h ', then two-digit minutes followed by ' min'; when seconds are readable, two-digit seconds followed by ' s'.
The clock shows 9 h 47 min
